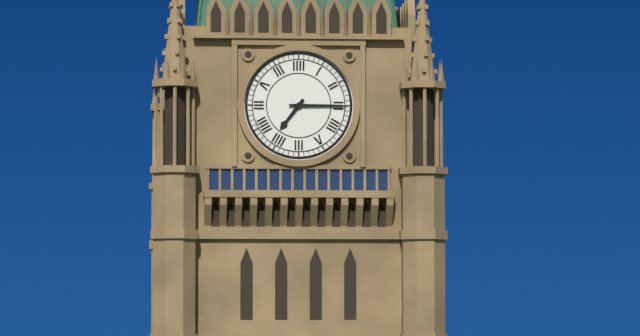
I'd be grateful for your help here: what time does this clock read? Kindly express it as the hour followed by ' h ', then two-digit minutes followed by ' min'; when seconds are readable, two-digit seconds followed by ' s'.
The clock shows 7 h 15 min
